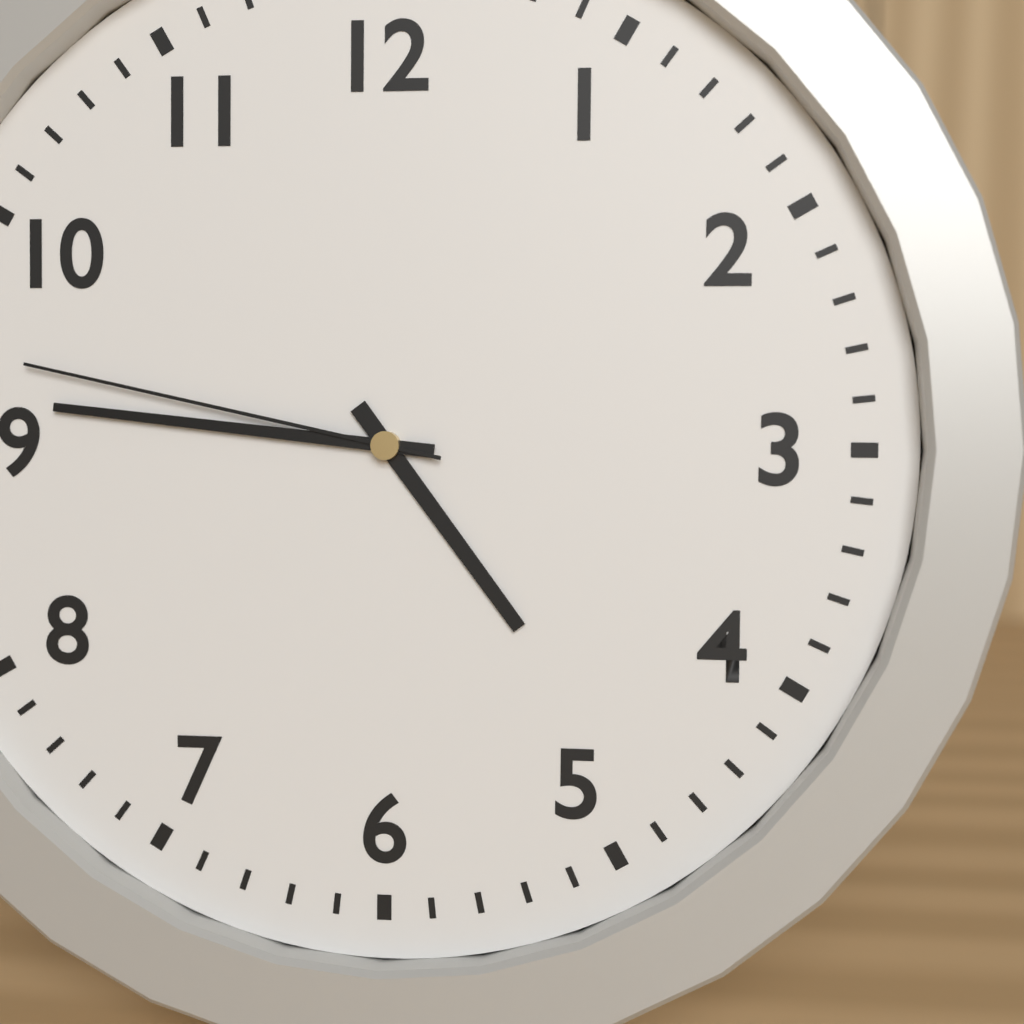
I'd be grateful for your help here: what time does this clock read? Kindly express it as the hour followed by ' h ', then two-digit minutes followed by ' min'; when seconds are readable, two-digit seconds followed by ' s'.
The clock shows 4 h 46 min 47 s
